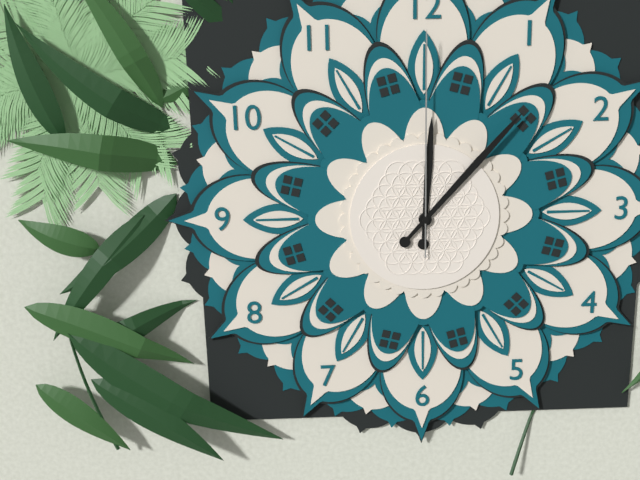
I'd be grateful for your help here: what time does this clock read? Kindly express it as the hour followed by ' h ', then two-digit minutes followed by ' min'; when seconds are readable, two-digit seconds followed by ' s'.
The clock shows 12 h 07 min 00 s
